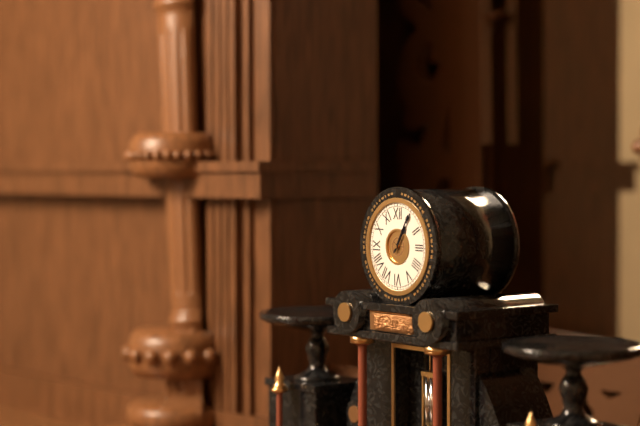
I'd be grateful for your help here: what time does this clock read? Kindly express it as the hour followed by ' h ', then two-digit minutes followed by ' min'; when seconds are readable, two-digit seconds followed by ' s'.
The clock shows 1 h 05 min
